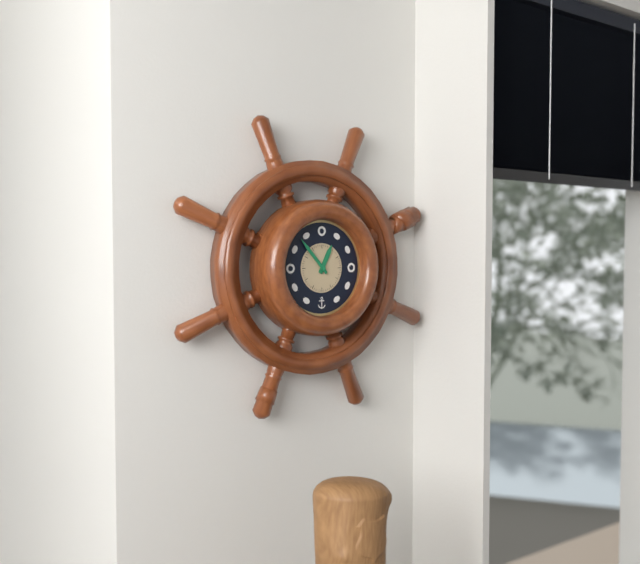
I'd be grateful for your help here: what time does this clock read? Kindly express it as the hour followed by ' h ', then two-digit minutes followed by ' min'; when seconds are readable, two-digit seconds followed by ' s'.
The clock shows 12 h 53 min
